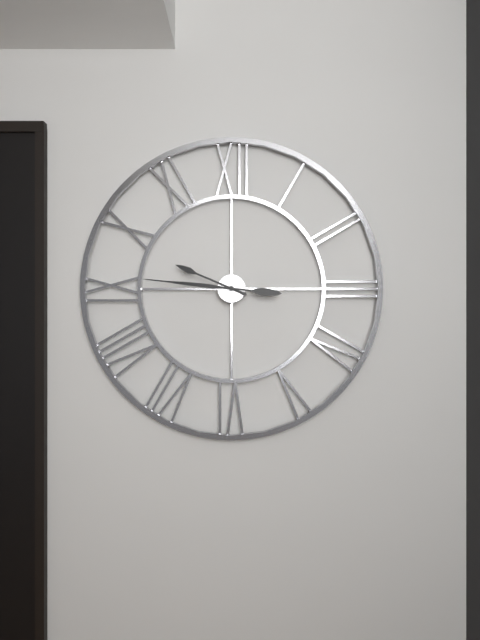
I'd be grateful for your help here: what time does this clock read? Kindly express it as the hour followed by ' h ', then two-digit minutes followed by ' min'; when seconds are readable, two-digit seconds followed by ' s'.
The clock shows 9 h 46 min
